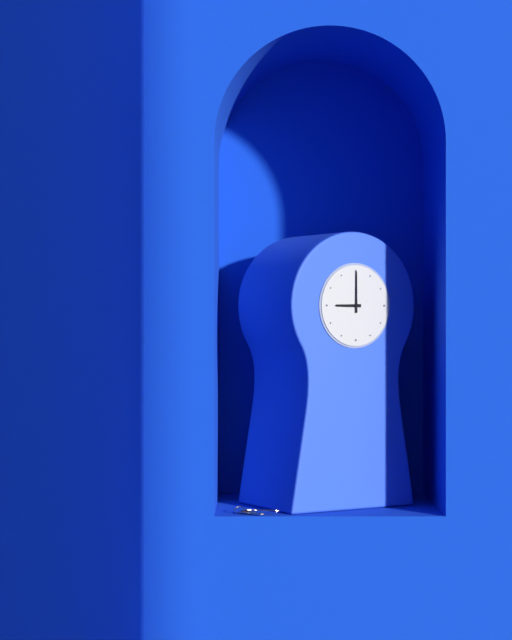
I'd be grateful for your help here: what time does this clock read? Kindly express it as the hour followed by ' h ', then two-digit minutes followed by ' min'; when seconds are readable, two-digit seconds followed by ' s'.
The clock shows 9 h 00 min
